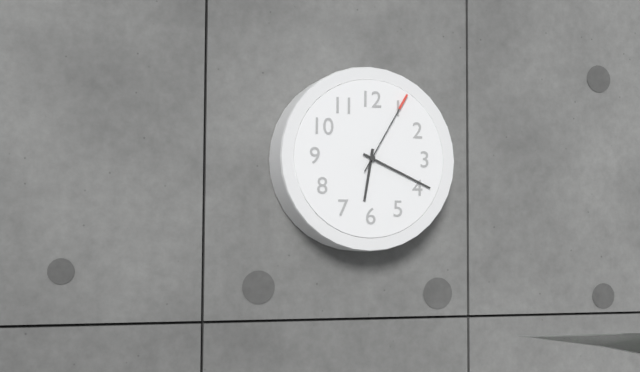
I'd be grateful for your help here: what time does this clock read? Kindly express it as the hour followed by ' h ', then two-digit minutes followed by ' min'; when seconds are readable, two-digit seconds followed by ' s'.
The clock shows 6 h 19 min 05 s
